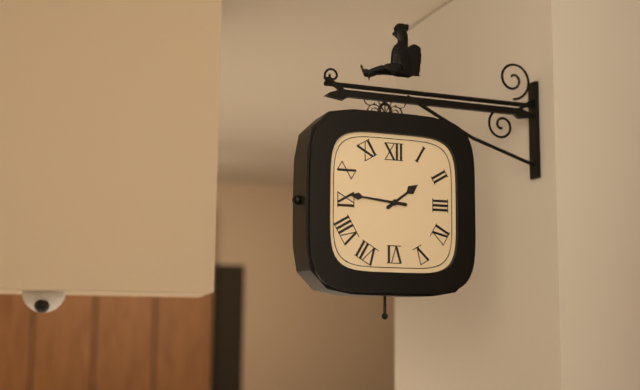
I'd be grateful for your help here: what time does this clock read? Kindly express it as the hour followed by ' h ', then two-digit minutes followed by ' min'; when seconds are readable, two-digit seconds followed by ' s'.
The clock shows 1 h 46 min
